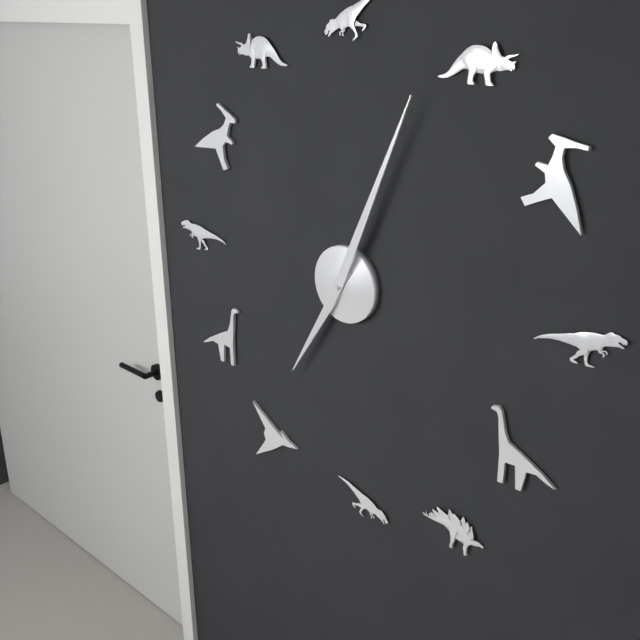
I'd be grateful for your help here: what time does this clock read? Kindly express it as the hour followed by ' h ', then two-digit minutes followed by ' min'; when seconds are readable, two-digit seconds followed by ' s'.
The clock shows 7 h 04 min
